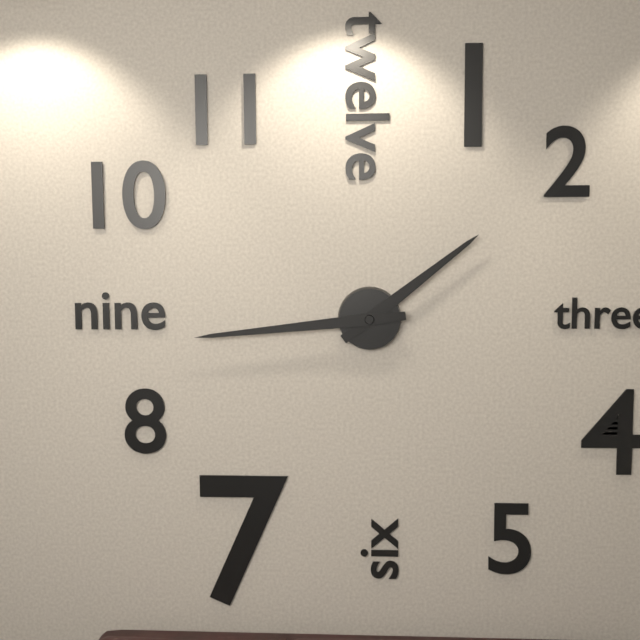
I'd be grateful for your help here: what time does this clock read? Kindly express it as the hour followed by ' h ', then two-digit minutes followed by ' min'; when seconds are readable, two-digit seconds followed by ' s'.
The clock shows 1 h 44 min
